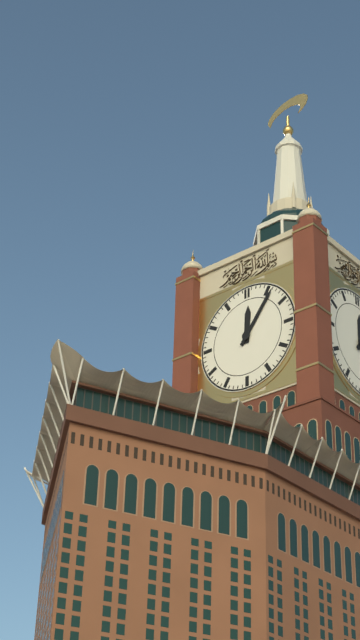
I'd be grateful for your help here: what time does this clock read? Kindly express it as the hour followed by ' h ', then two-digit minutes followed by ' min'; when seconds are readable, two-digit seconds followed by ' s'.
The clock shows 12 h 06 min
